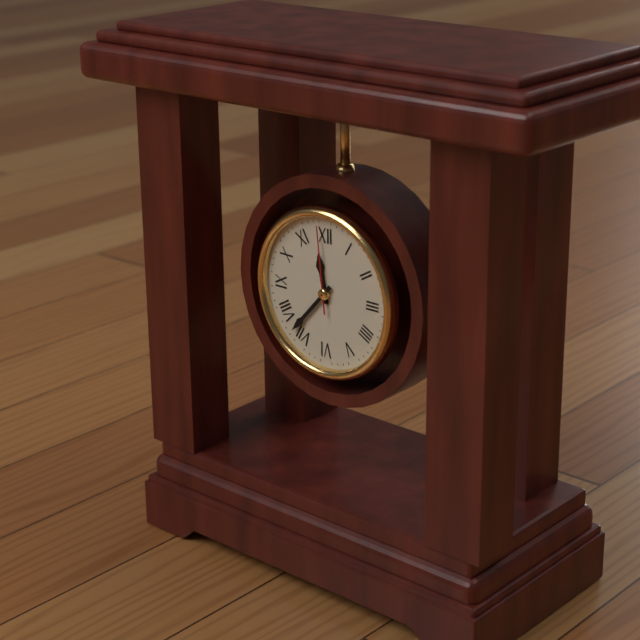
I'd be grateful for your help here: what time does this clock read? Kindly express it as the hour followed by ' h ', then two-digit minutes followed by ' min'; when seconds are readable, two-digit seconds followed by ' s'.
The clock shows 11 h 37 min 59 s
